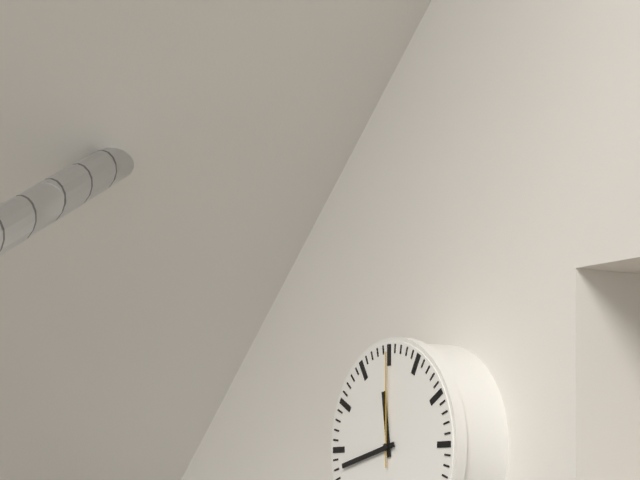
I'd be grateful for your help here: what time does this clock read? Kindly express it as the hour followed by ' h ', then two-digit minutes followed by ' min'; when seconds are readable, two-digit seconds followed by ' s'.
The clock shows 11 h 43 min 00 s
